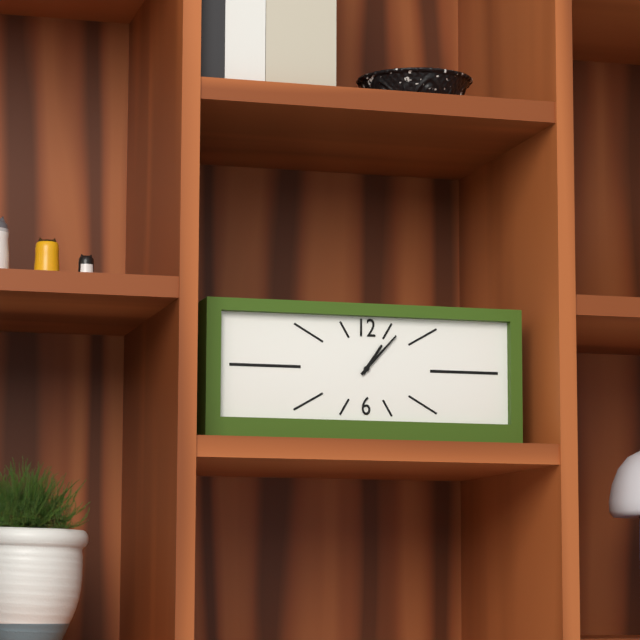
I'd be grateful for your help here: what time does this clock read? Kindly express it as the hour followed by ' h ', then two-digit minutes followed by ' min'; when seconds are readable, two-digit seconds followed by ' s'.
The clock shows 1 h 07 min
